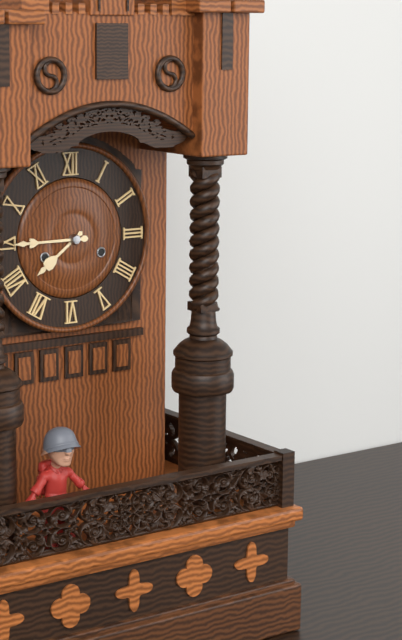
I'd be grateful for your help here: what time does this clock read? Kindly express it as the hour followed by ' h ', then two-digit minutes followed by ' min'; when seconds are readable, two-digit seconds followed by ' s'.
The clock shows 7 h 45 min
